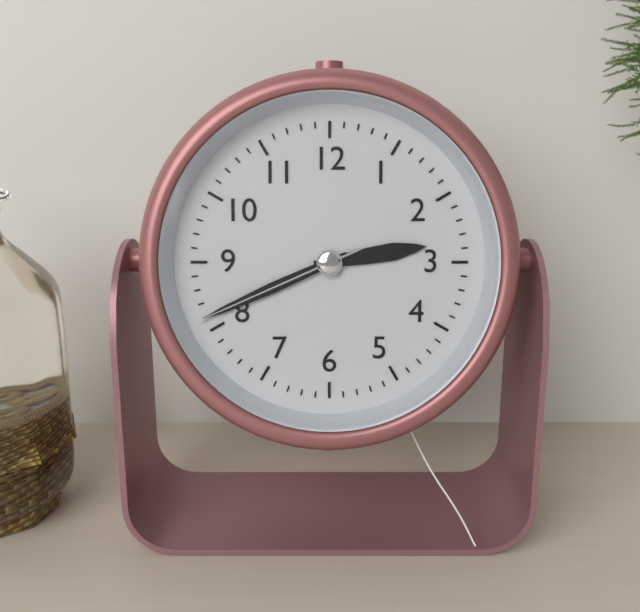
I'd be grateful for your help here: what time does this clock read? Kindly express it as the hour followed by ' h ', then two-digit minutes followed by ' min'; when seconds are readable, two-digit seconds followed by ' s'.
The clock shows 2 h 41 min 41 s
